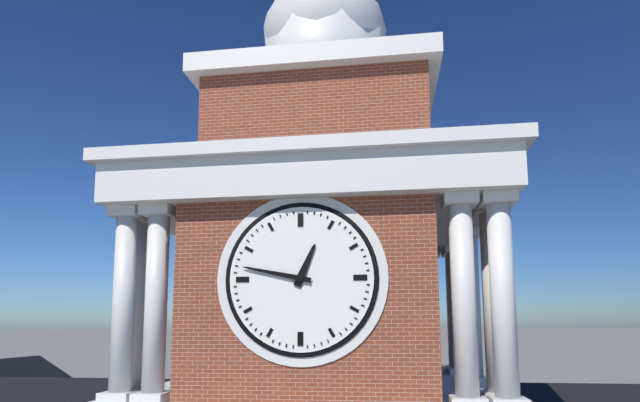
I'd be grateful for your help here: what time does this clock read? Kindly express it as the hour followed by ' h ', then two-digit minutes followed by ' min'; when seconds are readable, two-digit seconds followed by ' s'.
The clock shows 12 h 47 min
